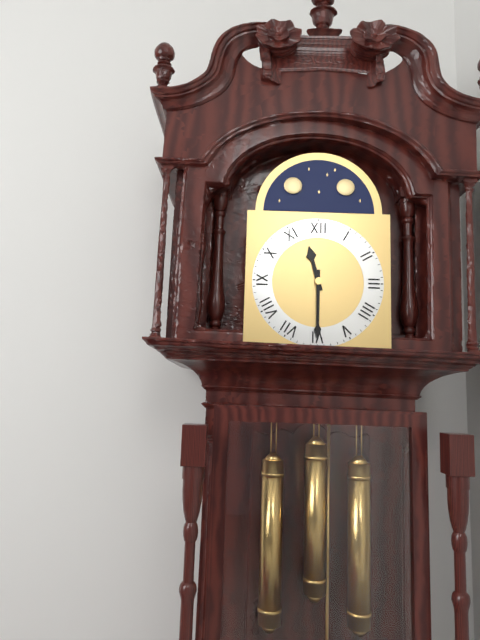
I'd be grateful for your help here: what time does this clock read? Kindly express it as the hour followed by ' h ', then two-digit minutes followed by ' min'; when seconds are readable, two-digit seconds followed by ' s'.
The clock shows 11 h 30 min
